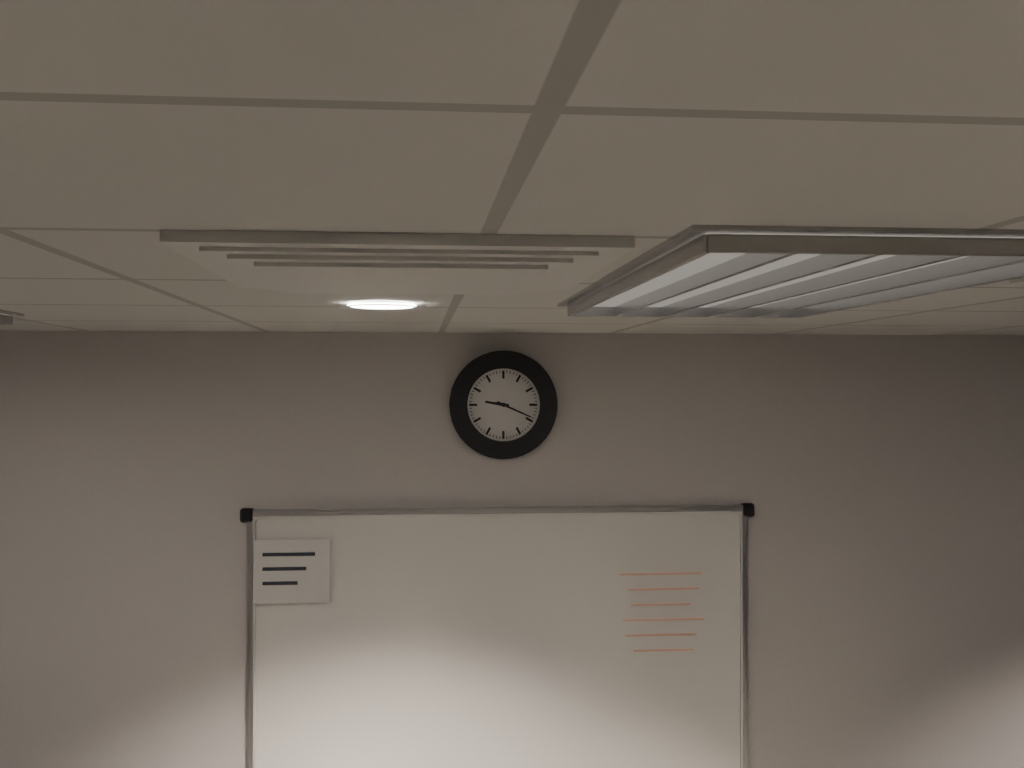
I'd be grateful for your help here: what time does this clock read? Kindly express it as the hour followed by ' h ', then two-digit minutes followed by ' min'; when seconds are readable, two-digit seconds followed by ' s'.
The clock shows 9 h 19 min
